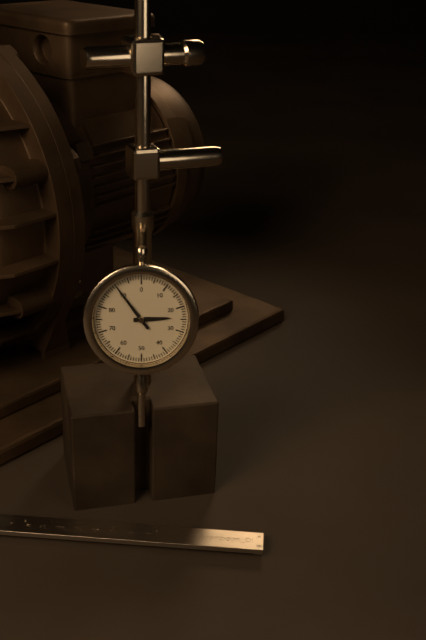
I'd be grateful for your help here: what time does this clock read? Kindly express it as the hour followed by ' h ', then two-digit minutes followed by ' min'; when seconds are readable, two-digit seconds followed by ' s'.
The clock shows 2 h 54 min
